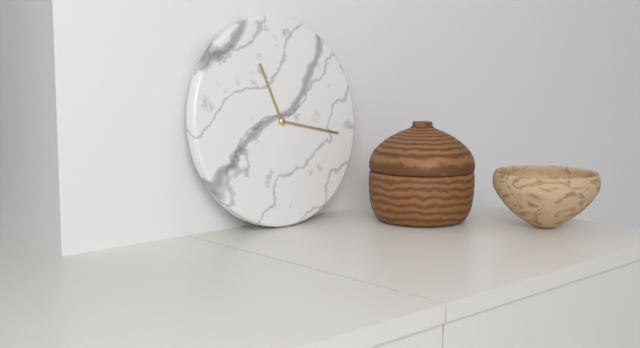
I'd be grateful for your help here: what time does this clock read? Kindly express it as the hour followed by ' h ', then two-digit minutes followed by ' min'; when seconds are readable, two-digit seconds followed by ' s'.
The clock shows 11 h 17 min
